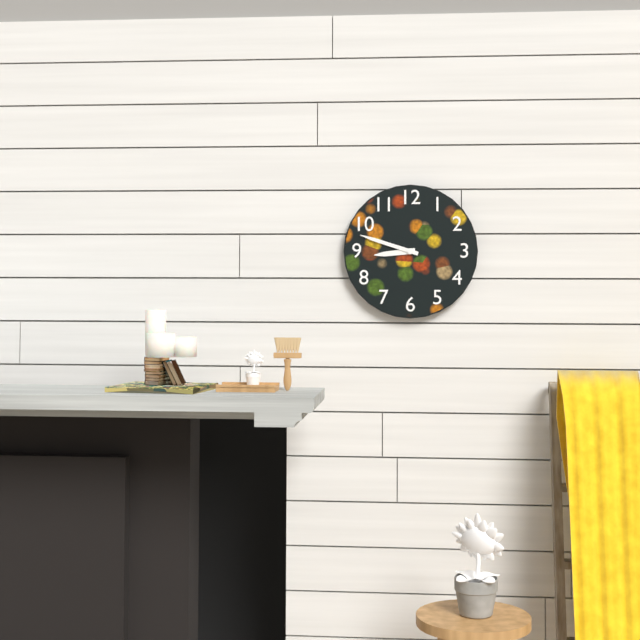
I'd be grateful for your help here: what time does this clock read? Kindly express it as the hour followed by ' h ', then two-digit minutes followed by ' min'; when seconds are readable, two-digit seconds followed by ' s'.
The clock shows 8 h 48 min
